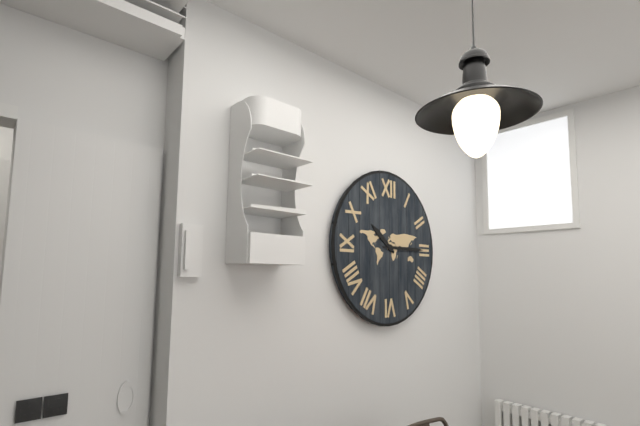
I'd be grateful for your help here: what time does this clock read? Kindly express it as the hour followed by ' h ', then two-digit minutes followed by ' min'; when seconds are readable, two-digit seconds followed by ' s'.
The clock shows 10 h 15 min
